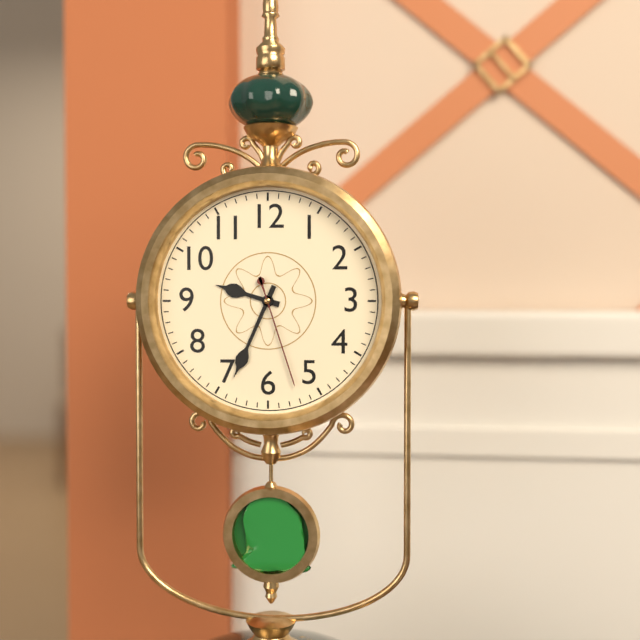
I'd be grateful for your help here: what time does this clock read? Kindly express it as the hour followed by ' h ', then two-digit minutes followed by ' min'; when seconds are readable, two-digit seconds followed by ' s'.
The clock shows 9 h 34 min 27 s
